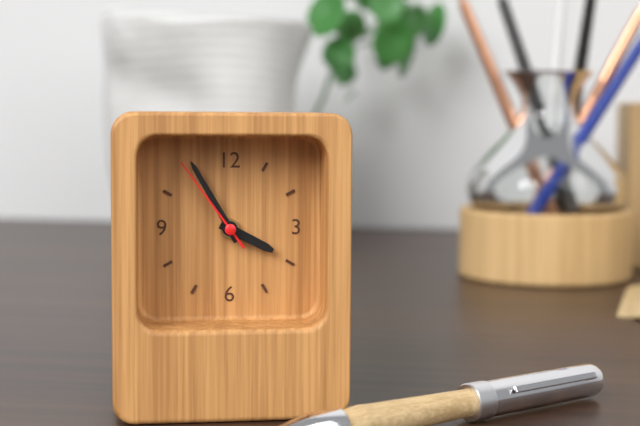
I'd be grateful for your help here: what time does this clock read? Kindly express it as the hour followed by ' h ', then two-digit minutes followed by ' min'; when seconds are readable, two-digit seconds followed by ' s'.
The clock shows 3 h 55 min 54 s
